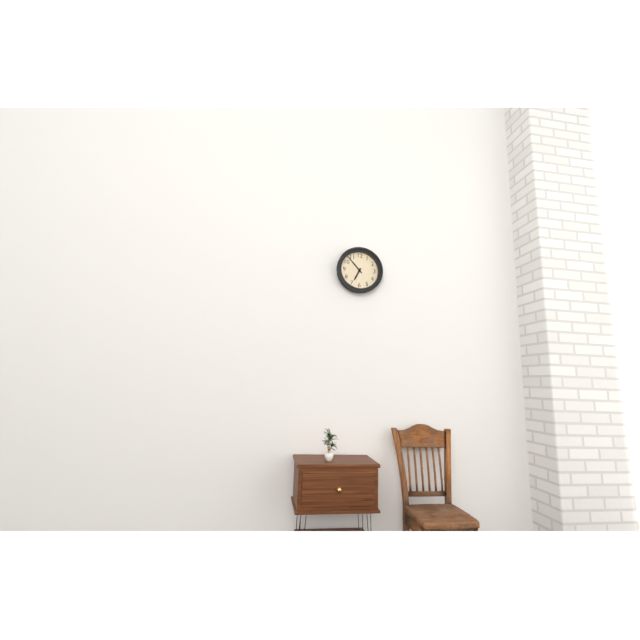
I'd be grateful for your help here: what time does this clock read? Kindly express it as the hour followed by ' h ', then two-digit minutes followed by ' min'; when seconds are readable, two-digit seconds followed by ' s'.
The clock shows 6 h 53 min
